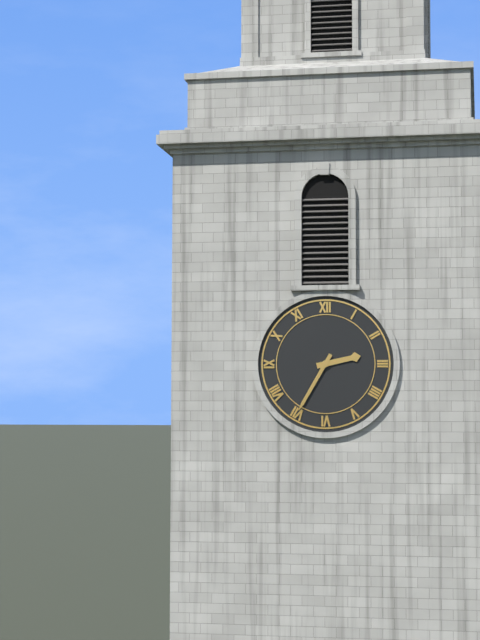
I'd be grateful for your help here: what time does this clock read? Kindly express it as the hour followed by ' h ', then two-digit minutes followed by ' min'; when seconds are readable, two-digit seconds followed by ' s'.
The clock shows 2 h 35 min
